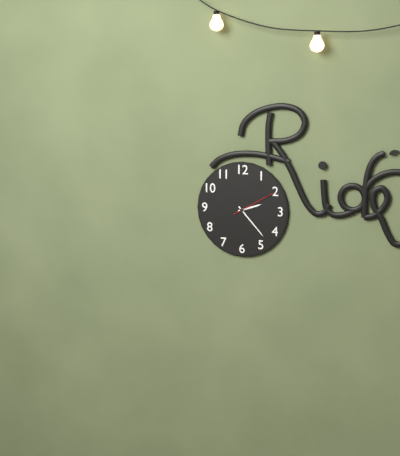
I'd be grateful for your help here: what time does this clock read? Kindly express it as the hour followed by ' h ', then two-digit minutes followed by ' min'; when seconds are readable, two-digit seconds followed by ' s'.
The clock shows 2 h 23 min
